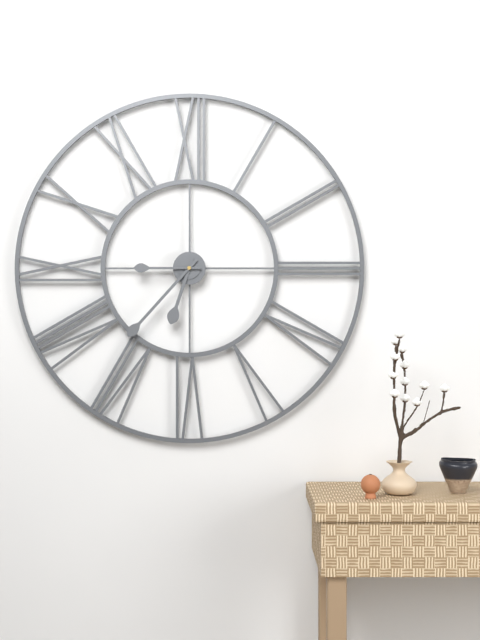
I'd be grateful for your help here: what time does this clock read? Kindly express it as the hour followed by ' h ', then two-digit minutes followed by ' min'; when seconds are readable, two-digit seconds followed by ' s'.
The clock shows 6 h 37 min 45 s
